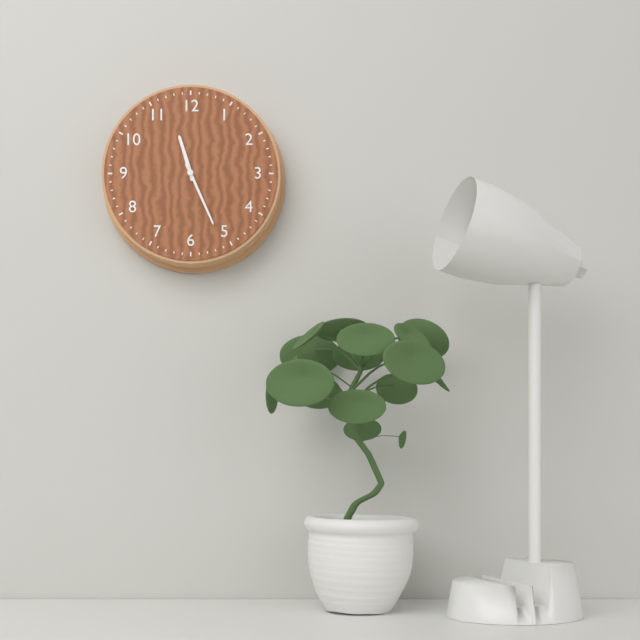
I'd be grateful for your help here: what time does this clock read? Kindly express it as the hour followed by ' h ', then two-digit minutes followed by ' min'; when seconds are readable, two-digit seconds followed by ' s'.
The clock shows 11 h 26 min
